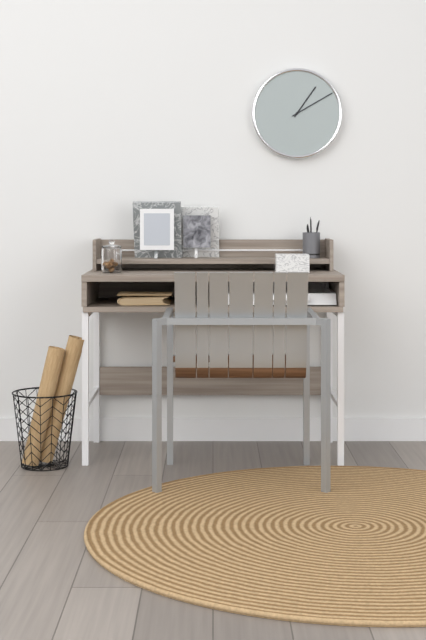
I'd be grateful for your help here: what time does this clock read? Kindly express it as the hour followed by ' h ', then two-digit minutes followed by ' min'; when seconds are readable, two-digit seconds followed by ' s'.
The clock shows 1 h 10 min
